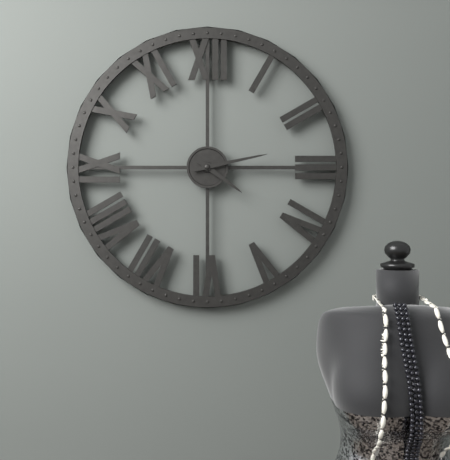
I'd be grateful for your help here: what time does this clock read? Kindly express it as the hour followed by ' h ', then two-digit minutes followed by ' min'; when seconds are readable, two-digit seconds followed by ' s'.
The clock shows 4 h 13 min
